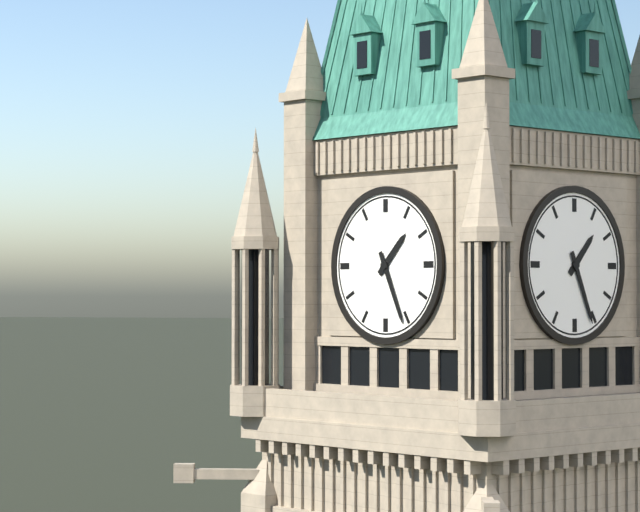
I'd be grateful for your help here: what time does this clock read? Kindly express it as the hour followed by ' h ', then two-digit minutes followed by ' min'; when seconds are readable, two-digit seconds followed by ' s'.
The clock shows 1 h 26 min
